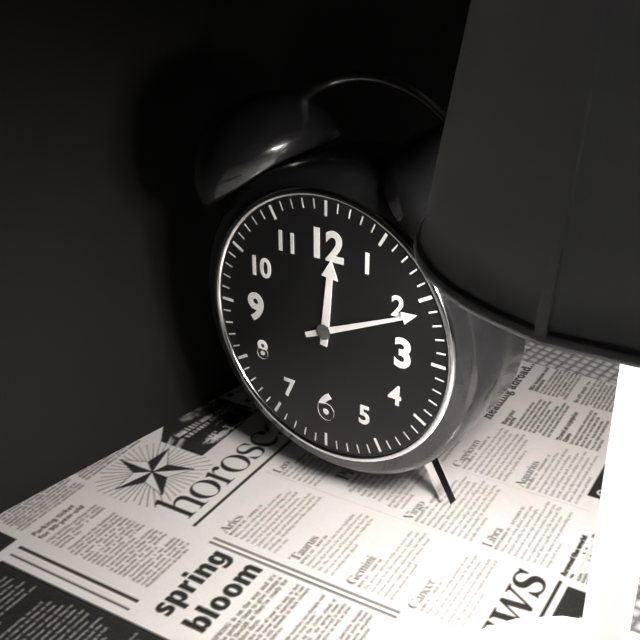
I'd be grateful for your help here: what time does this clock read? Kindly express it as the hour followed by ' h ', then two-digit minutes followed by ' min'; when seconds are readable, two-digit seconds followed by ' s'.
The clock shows 12 h 11 min
